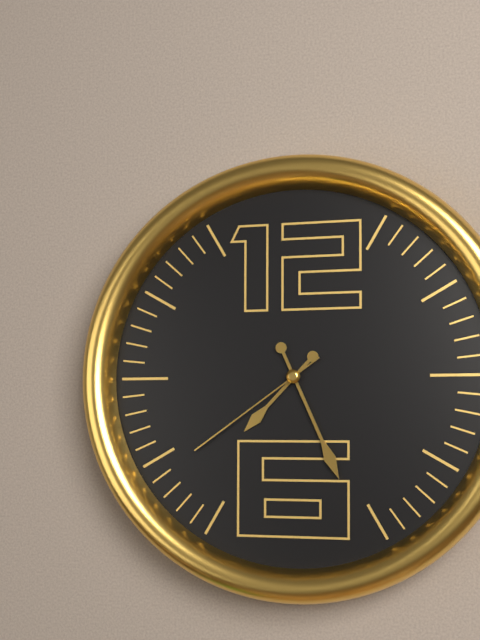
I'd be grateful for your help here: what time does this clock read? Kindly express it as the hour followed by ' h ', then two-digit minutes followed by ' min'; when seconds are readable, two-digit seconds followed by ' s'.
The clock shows 7 h 26 min 39 s
